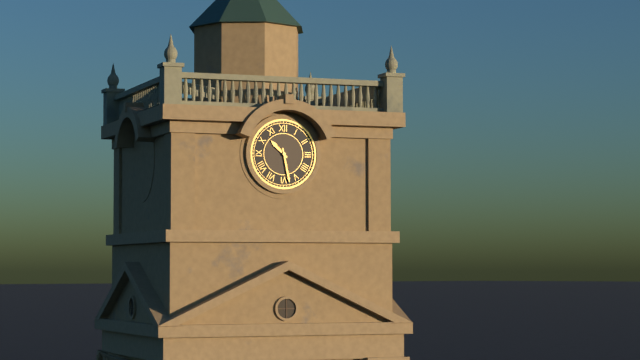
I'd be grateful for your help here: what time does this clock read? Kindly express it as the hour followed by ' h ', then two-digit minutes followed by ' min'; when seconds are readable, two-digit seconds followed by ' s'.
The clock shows 10 h 28 min
